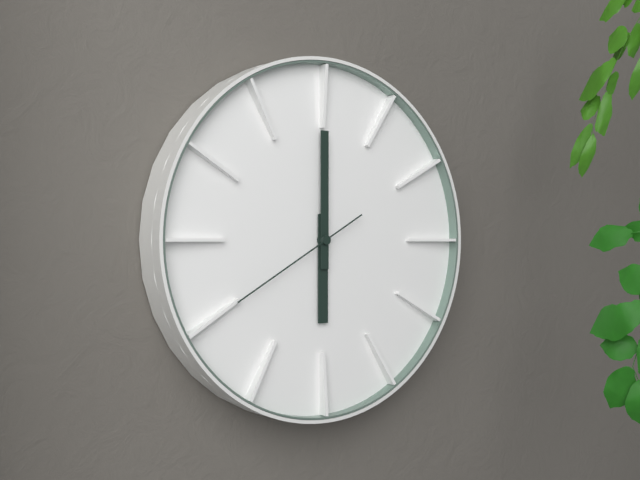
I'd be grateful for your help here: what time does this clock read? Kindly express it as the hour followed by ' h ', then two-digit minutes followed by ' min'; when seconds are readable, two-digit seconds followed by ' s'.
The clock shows 6 h 00 min 40 s
